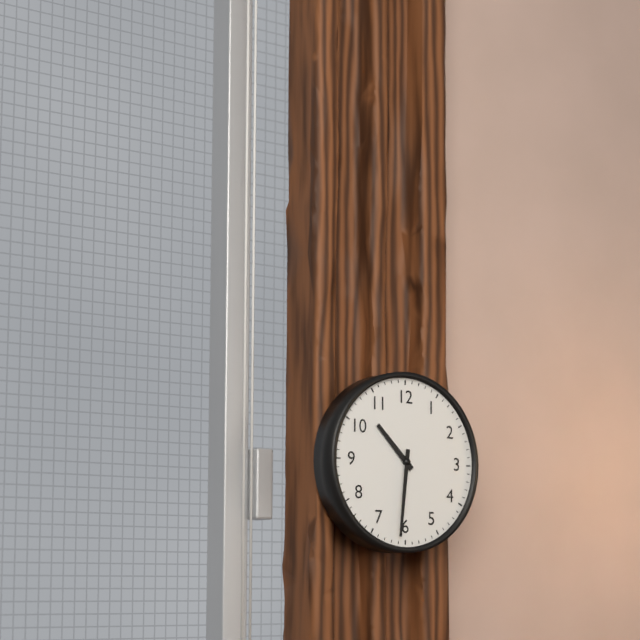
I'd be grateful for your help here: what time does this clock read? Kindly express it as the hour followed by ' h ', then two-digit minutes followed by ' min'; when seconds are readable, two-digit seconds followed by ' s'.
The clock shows 10 h 31 min
